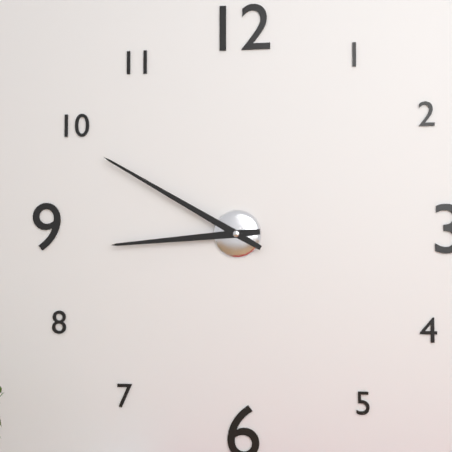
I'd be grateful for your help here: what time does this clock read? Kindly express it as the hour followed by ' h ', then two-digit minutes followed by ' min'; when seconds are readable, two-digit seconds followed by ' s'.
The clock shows 8 h 50 min
